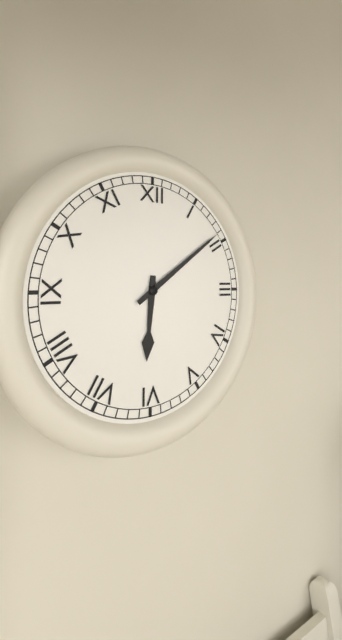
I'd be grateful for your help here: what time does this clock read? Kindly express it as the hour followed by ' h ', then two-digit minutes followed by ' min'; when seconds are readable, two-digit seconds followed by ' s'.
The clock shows 6 h 09 min
